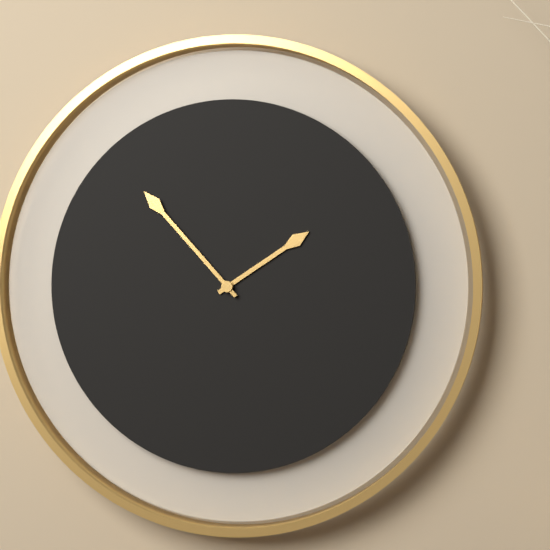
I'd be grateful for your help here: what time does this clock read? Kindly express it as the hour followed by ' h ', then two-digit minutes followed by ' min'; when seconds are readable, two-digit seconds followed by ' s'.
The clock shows 1 h 53 min
